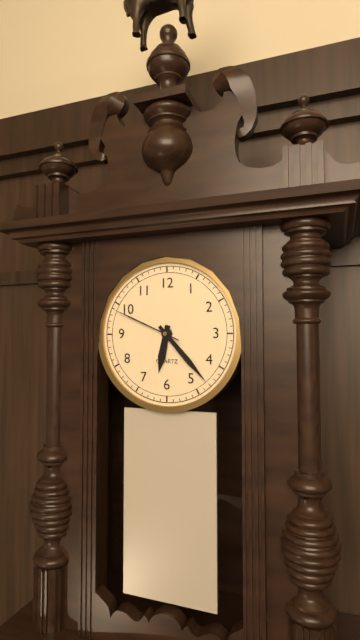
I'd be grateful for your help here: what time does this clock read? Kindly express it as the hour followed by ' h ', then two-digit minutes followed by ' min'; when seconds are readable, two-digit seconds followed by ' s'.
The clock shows 6 h 23 min 49 s
